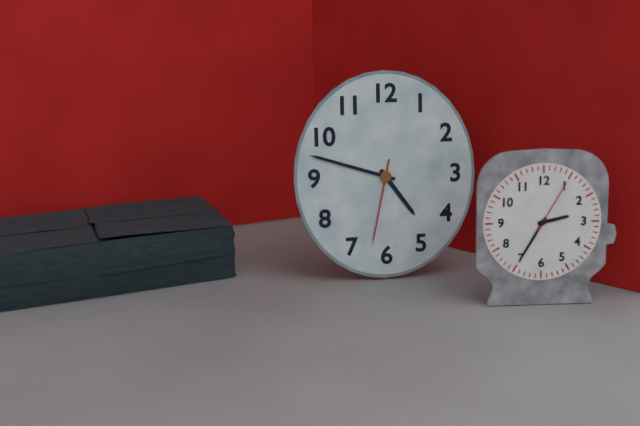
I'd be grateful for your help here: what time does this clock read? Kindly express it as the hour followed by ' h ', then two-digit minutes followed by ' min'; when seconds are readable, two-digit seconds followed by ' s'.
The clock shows 4 h 48 min 32 s
